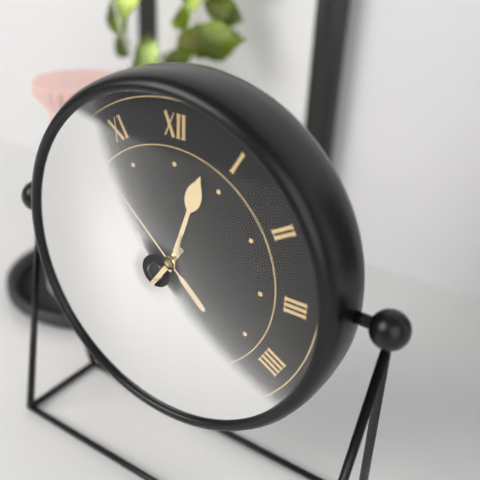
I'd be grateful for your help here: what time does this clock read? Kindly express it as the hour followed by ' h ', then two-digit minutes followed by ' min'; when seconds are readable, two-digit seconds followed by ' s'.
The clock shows 12 h 36 min 52 s
